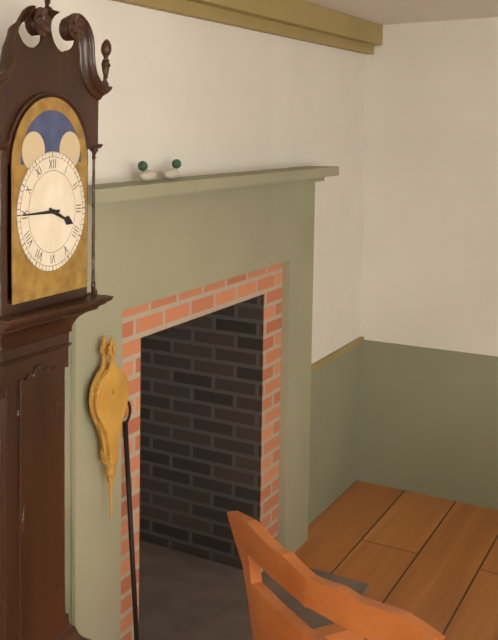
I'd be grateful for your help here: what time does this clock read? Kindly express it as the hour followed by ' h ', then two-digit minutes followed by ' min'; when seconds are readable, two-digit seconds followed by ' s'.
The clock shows 3 h 45 min
